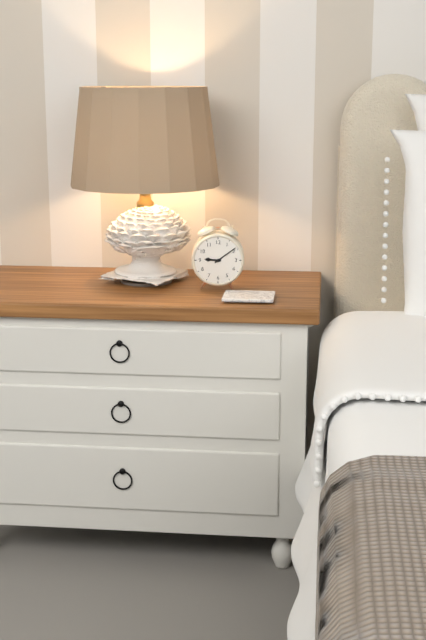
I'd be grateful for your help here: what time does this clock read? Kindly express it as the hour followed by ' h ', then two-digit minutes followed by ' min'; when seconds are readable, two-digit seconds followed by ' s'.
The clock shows 9 h 09 min
